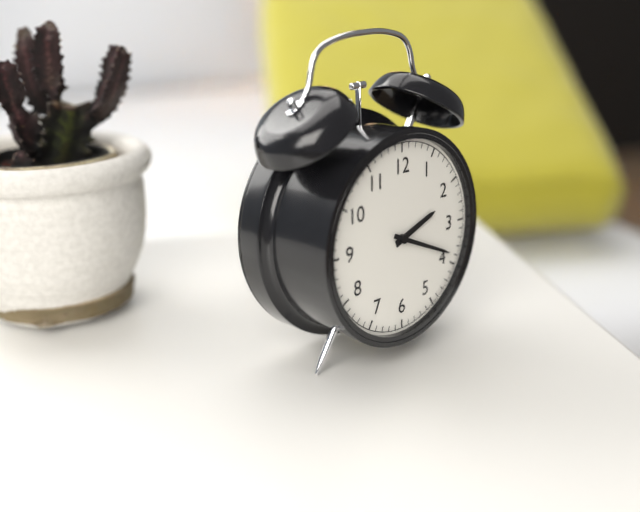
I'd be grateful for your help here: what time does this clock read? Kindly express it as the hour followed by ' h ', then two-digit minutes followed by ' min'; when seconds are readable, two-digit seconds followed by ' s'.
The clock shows 2 h 19 min
